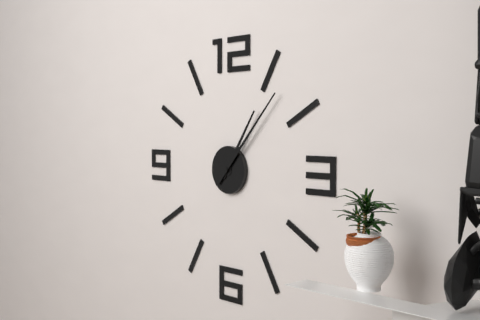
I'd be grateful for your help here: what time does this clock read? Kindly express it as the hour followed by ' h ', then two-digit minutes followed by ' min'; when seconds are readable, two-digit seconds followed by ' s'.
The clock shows 1 h 07 min
